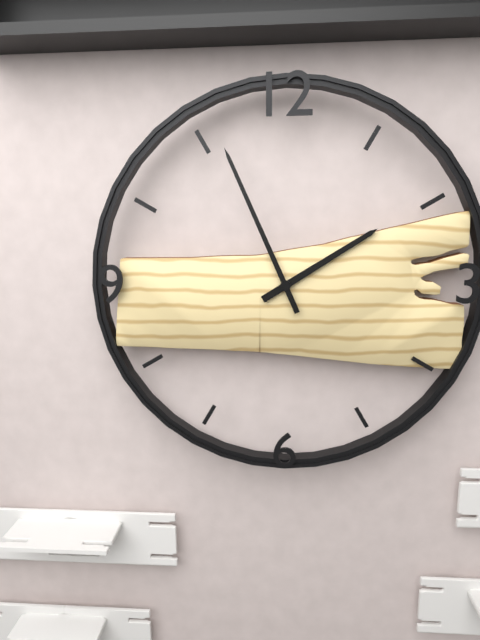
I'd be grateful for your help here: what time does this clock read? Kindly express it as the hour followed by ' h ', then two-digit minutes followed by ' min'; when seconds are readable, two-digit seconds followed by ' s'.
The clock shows 1 h 56 min
